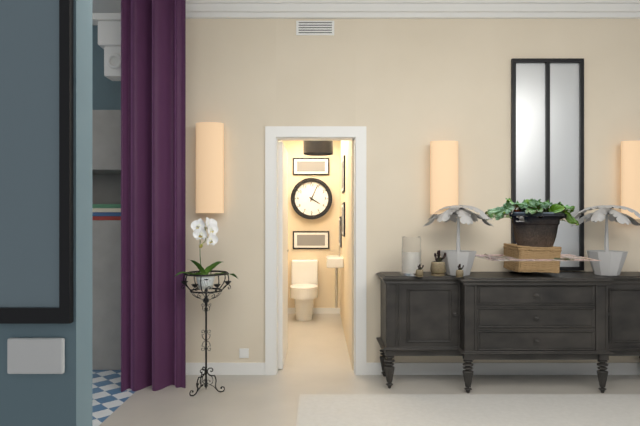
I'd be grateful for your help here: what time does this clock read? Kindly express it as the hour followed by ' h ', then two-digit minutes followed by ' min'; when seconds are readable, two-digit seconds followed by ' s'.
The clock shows 4 h 04 min
